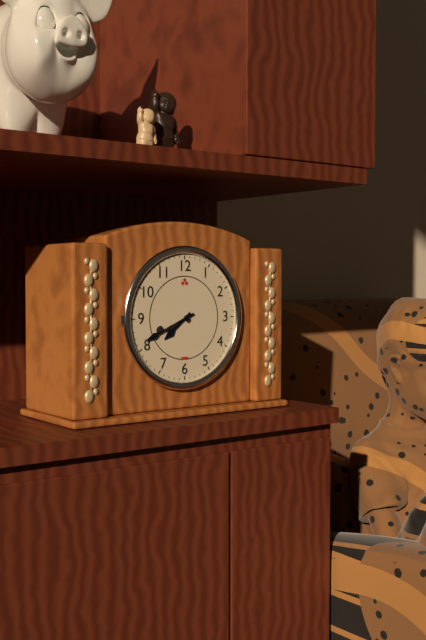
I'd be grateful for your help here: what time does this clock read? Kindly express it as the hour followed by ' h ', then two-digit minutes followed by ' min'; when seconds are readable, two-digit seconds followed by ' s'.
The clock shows 7 h 41 min
